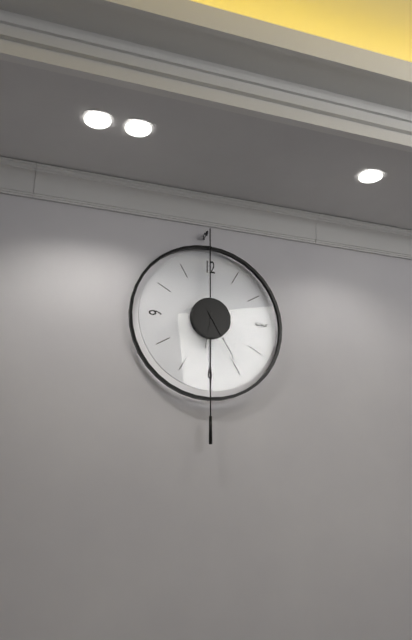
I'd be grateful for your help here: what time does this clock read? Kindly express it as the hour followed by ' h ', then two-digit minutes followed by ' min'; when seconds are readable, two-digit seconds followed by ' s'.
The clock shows 6 h 25 min
